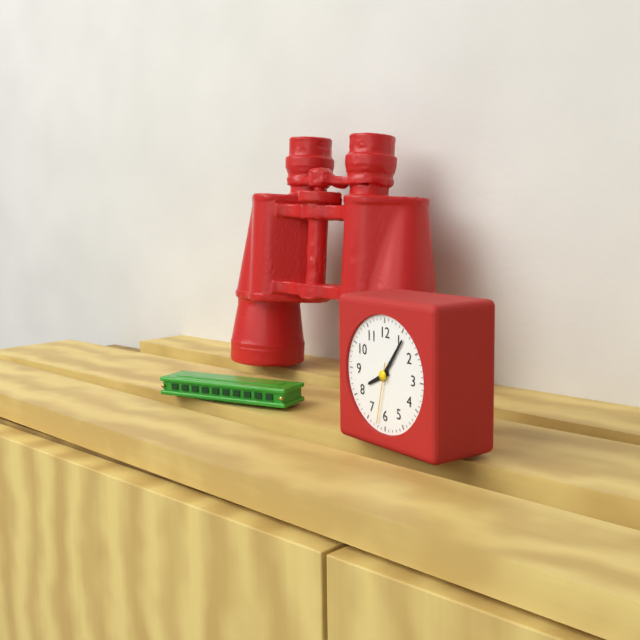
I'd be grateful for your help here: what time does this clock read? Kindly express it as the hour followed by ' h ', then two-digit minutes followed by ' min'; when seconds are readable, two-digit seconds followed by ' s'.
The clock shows 8 h 06 min 32 s
